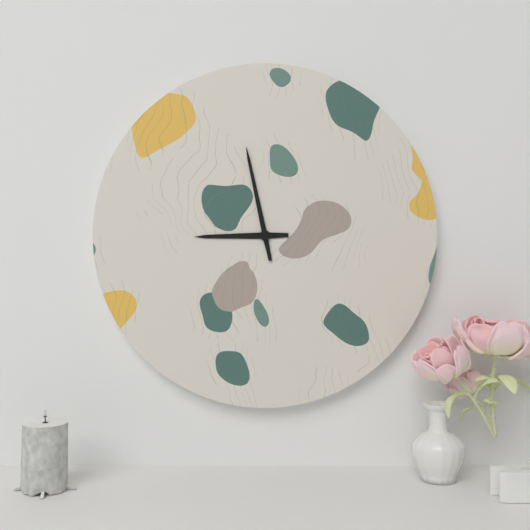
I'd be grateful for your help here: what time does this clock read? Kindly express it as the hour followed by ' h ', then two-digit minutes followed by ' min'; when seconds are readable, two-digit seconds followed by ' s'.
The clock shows 8 h 58 min
